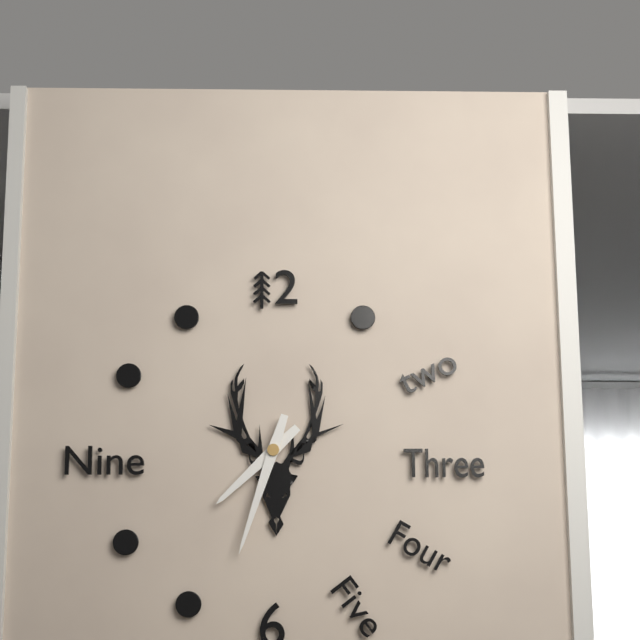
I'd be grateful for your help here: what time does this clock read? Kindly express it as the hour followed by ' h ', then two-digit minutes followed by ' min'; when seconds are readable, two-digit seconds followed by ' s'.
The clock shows 7 h 33 min
